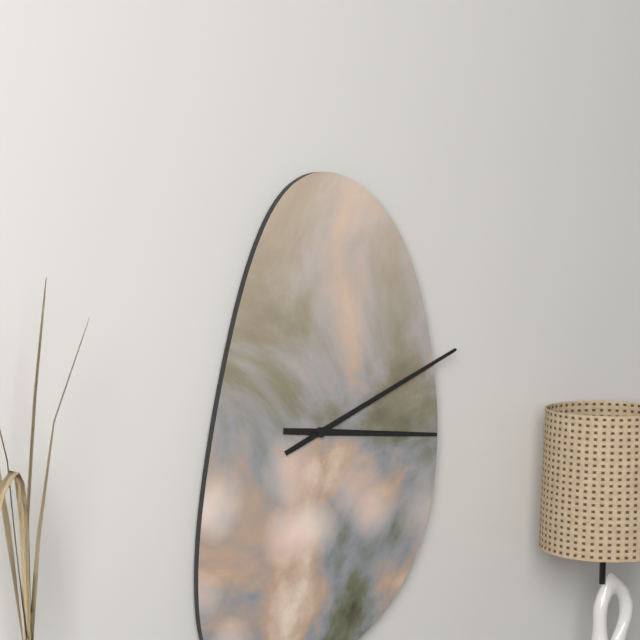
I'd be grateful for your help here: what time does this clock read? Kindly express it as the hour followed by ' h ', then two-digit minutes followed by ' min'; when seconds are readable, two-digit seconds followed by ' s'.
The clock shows 3 h 11 min
